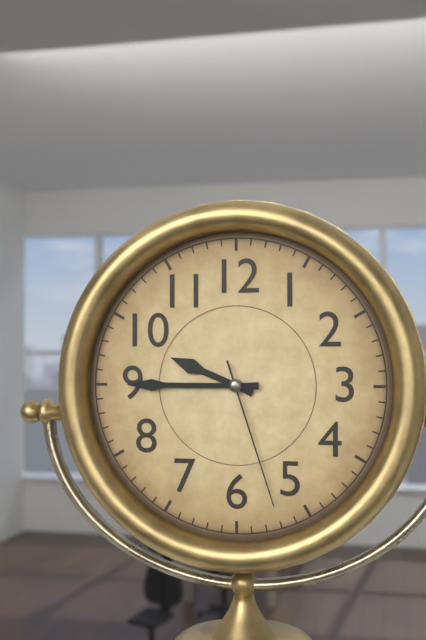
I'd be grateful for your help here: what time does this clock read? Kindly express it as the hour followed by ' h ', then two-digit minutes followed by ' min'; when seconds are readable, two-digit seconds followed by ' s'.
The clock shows 9 h 45 min 27 s
